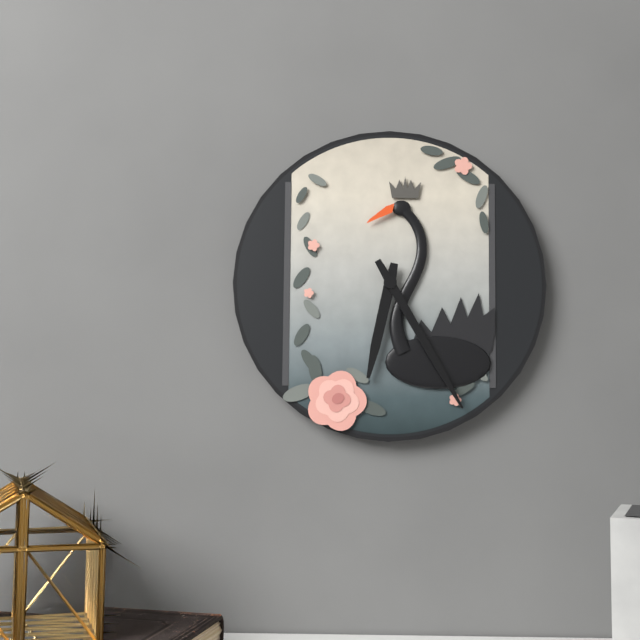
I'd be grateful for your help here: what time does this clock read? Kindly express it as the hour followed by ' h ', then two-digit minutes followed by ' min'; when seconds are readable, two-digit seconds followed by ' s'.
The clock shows 6 h 25 min
